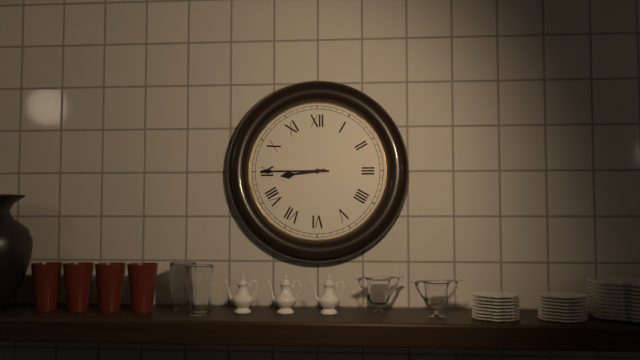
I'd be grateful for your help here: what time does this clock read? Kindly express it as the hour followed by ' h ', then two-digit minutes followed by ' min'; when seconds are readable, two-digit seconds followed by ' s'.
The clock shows 8 h 45 min
